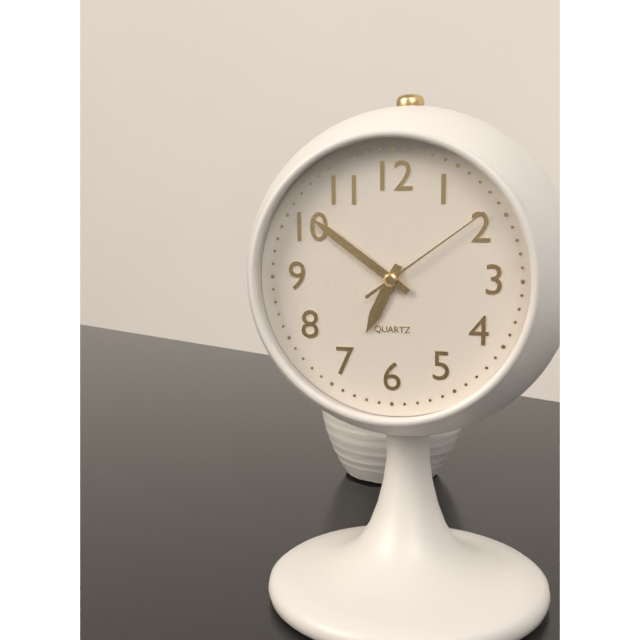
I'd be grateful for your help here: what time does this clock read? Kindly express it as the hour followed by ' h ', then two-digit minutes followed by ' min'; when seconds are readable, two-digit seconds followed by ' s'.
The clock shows 6 h 51 min 09 s
